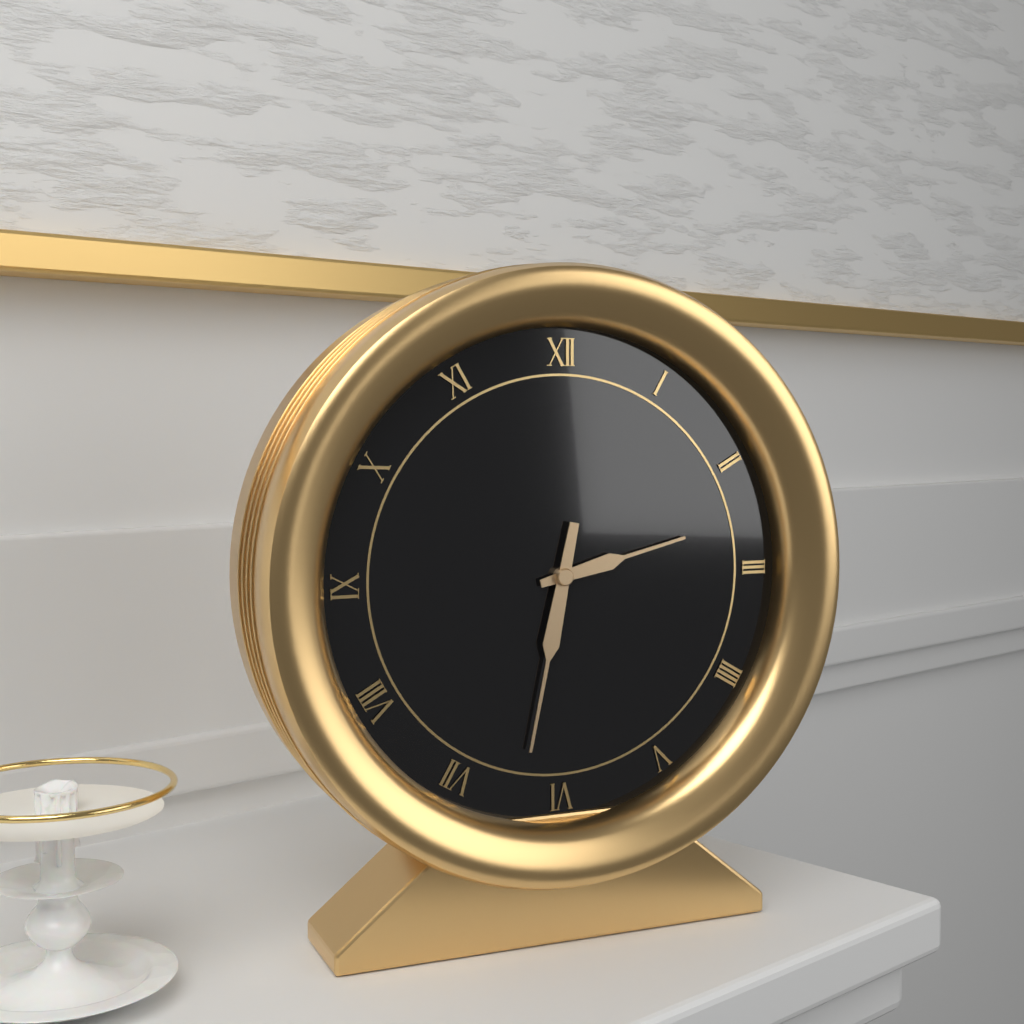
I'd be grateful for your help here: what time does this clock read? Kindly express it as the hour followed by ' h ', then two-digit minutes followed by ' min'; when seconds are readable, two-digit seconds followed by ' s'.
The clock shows 2 h 32 min
